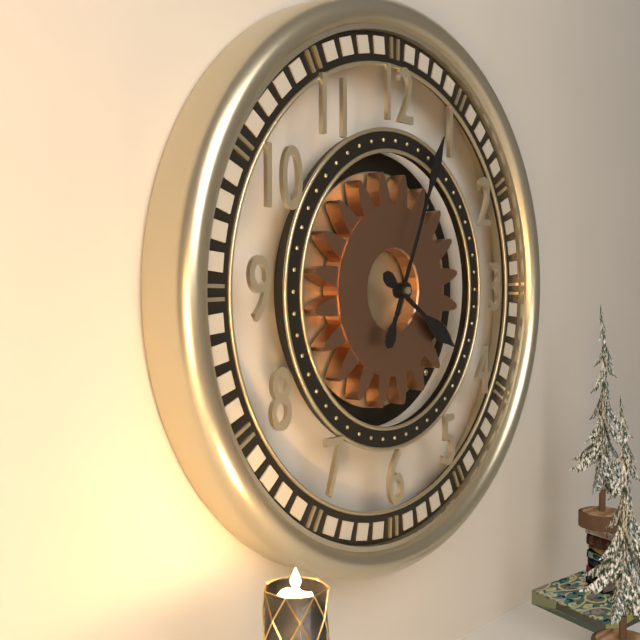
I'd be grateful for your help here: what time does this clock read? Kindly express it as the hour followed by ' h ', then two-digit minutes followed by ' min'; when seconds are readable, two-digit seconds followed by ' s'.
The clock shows 4 h 04 min
